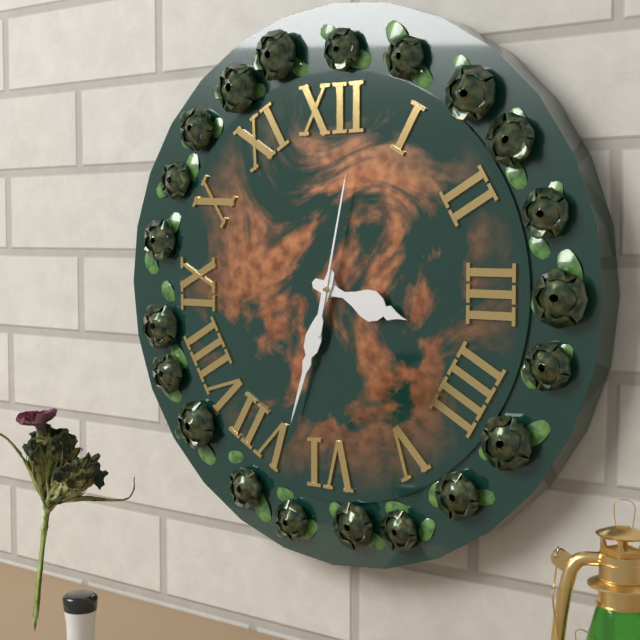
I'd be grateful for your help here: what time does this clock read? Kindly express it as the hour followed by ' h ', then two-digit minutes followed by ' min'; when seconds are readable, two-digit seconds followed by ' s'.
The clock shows 3 h 33 min 02 s
